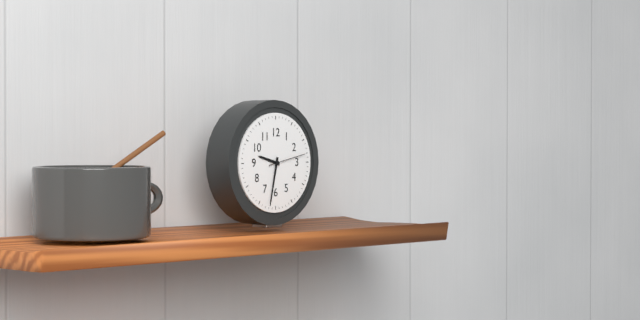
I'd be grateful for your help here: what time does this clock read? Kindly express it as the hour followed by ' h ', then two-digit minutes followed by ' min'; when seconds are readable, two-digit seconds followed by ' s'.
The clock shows 9 h 32 min
